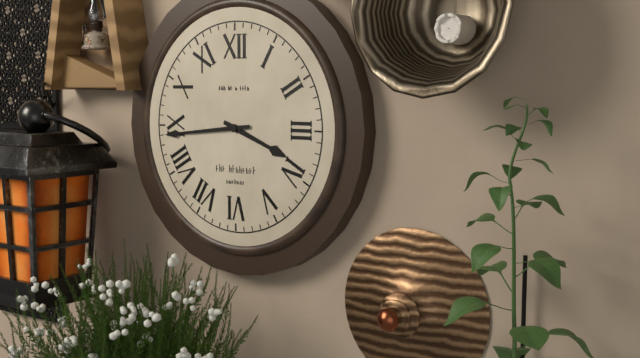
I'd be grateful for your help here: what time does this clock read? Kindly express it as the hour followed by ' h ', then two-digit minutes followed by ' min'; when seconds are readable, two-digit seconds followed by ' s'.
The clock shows 3 h 44 min
